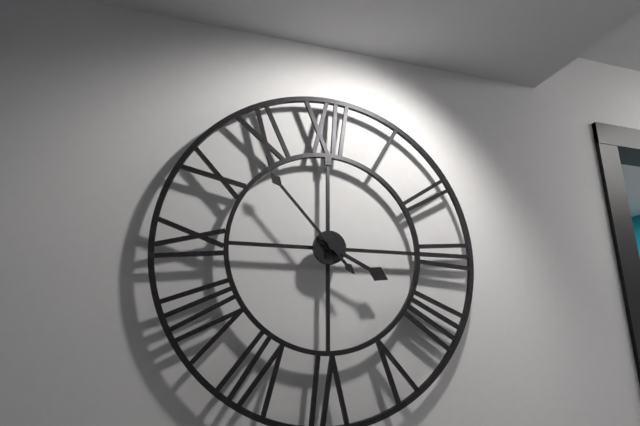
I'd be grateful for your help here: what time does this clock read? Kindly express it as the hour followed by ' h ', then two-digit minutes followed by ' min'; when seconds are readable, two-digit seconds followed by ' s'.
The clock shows 3 h 53 min
